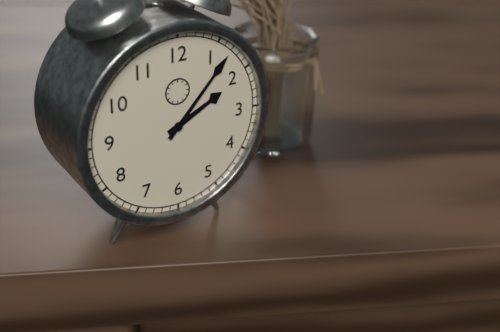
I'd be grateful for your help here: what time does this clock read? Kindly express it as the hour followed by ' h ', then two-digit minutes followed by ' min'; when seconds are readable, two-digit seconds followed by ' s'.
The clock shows 2 h 07 min
